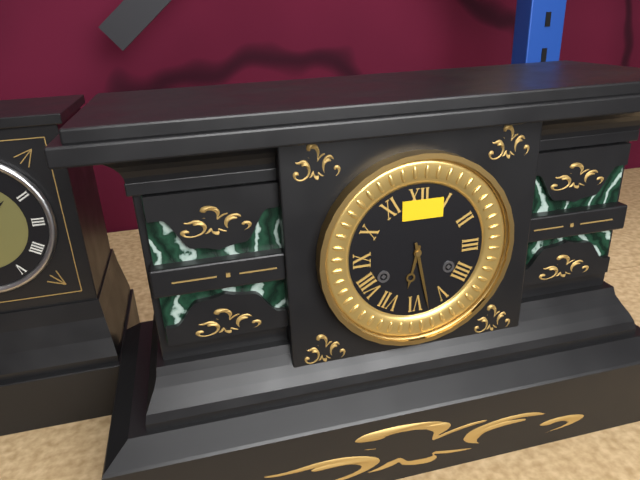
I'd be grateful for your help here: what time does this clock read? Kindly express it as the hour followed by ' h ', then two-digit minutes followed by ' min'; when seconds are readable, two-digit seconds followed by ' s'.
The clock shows 6 h 28 min
